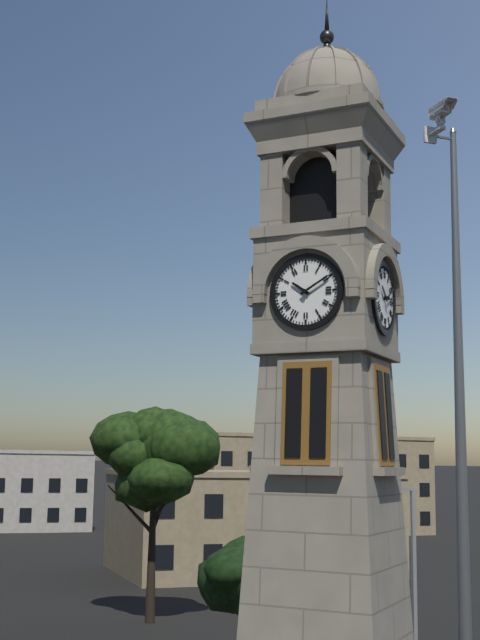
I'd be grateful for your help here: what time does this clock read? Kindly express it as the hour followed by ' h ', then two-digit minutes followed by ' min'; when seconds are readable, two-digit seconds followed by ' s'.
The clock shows 10 h 10 min
